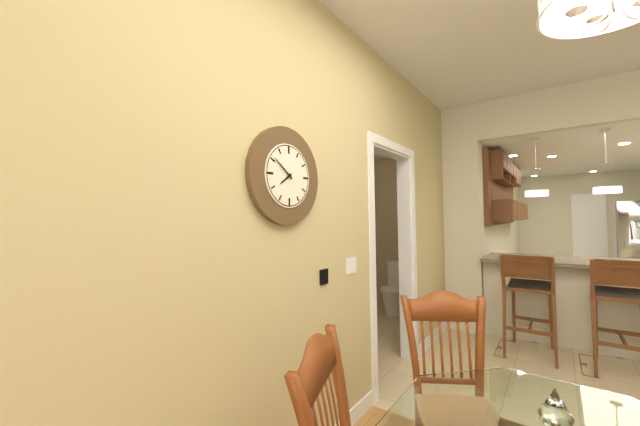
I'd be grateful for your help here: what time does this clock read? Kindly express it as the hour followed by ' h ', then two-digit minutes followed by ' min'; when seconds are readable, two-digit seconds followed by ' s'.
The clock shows 7 h 51 min
